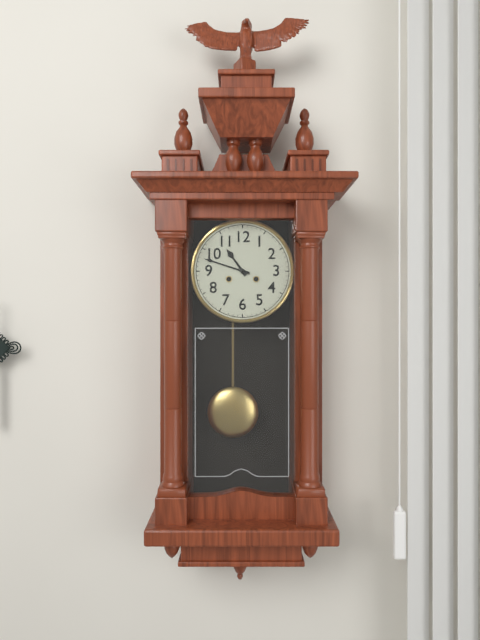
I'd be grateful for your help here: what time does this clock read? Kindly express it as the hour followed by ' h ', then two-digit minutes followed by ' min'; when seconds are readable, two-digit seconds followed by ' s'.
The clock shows 10 h 48 min
